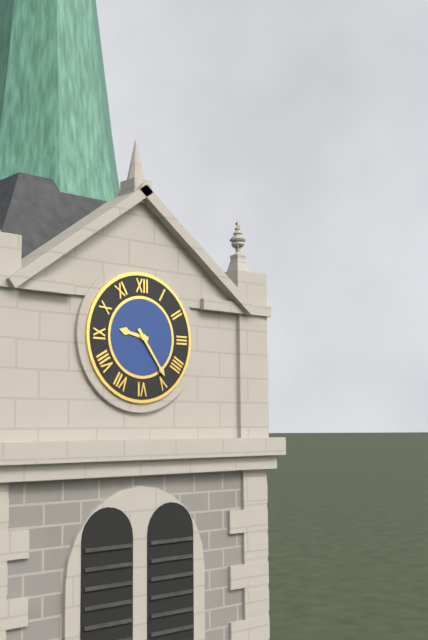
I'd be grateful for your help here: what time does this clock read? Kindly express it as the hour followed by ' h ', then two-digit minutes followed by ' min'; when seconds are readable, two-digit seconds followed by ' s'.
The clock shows 9 h 24 min
